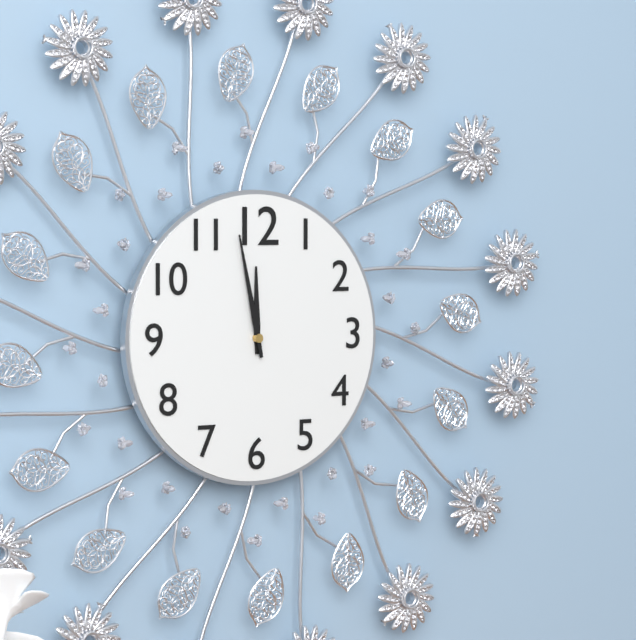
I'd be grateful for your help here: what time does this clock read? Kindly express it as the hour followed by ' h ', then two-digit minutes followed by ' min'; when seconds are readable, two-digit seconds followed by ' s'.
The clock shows 11 h 58 min
